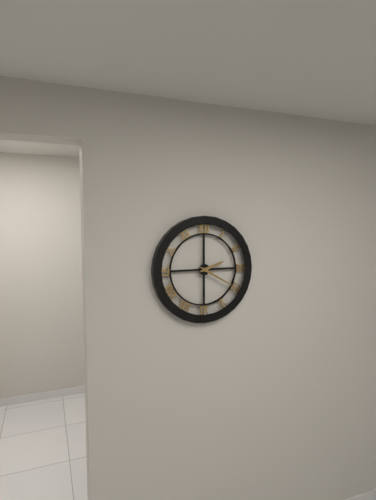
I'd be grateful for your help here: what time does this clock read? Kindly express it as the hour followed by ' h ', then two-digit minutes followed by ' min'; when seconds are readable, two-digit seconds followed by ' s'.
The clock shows 2 h 20 min
